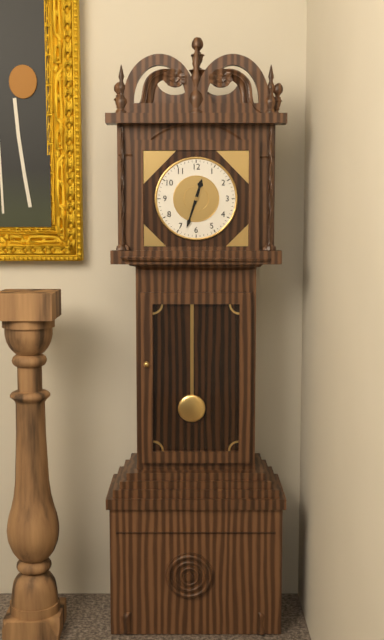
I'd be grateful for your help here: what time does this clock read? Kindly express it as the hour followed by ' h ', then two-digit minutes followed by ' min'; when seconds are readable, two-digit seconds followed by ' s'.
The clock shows 12 h 33 min
